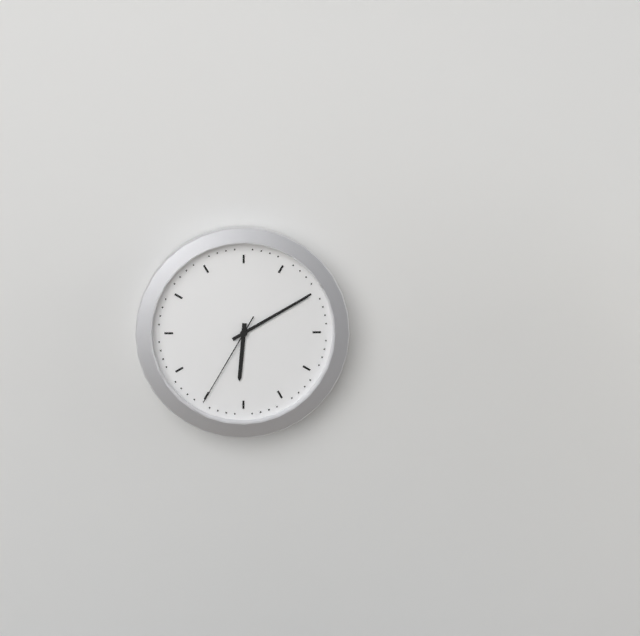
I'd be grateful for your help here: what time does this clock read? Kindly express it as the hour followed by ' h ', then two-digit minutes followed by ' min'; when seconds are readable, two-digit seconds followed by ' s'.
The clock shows 6 h 10 min 35 s
